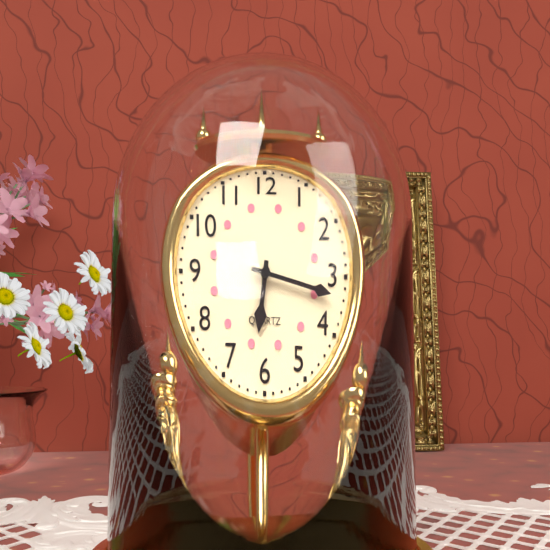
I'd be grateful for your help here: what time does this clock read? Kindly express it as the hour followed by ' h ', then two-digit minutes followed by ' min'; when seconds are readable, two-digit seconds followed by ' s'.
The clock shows 6 h 17 min
